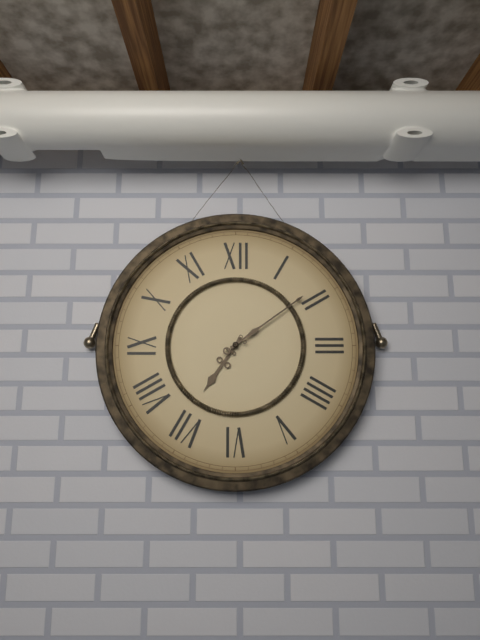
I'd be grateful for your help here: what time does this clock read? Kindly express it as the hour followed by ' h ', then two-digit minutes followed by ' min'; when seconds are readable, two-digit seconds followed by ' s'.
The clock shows 7 h 09 min
